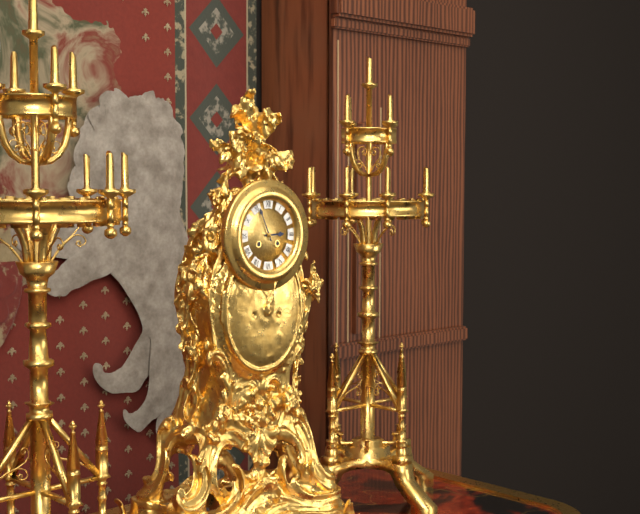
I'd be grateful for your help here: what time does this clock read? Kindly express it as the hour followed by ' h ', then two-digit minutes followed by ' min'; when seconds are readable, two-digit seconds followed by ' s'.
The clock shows 2 h 56 min
